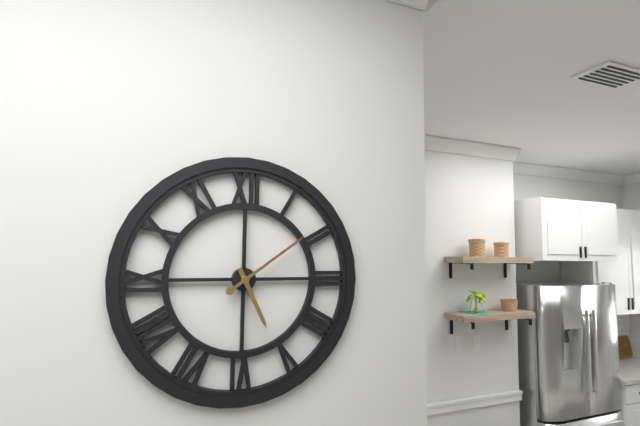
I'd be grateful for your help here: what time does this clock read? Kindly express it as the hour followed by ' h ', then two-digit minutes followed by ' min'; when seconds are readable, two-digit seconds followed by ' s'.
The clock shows 5 h 09 min
